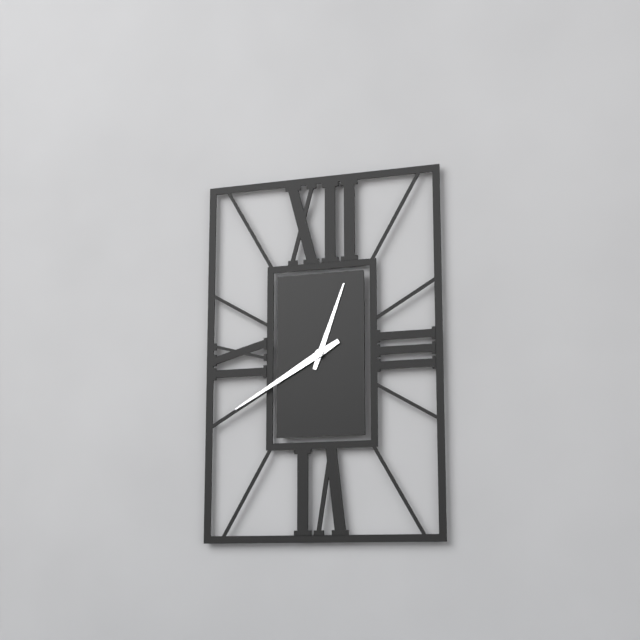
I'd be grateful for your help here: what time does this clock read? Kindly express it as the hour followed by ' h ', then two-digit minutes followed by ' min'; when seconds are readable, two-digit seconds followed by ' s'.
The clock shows 12 h 40 min
